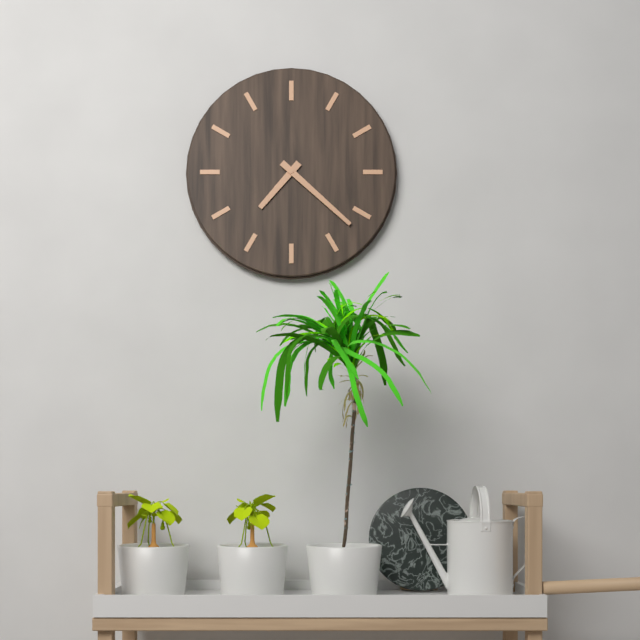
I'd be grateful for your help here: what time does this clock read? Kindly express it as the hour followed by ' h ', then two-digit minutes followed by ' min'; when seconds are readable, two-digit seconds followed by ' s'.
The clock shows 7 h 22 min
